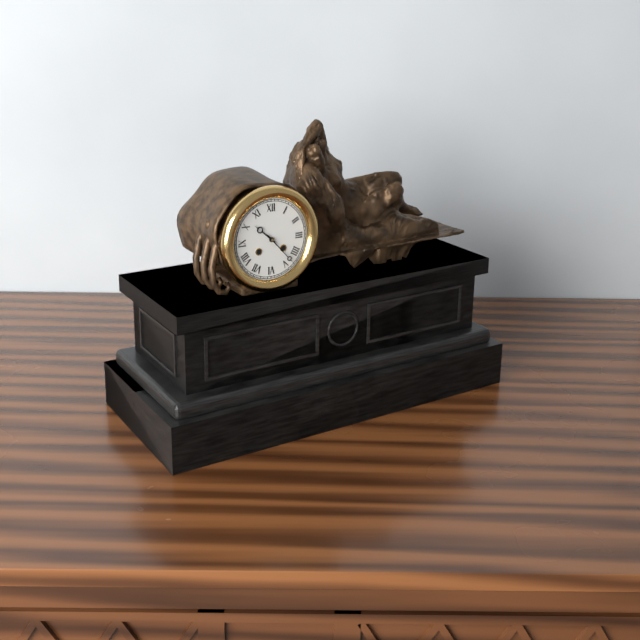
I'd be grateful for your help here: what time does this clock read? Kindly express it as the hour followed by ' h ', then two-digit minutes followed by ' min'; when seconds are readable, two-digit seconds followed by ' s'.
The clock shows 10 h 23 min
